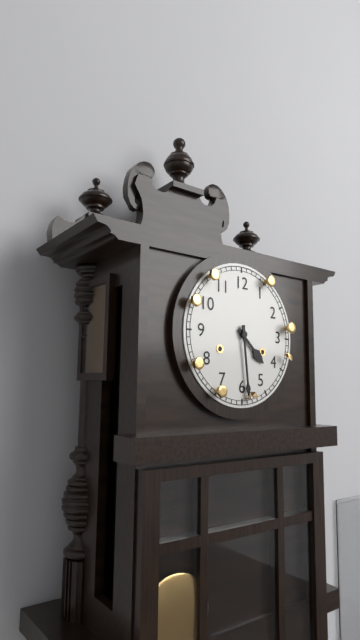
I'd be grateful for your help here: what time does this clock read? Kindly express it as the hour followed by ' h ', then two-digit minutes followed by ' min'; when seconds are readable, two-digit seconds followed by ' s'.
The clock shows 4 h 29 min
